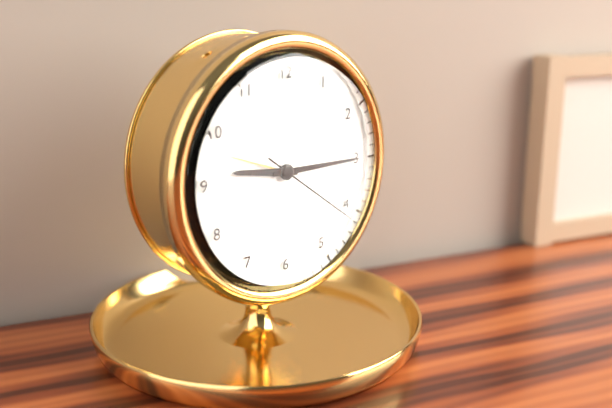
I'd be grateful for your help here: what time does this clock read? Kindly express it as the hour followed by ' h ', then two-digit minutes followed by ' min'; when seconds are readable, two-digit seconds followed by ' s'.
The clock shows 9 h 15 min 21 s
